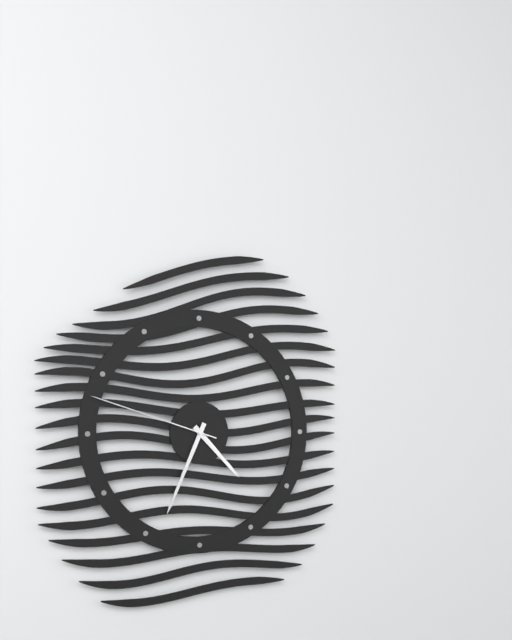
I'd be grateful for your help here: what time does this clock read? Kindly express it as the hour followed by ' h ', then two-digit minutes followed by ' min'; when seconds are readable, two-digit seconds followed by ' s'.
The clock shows 4 h 34 min 48 s
